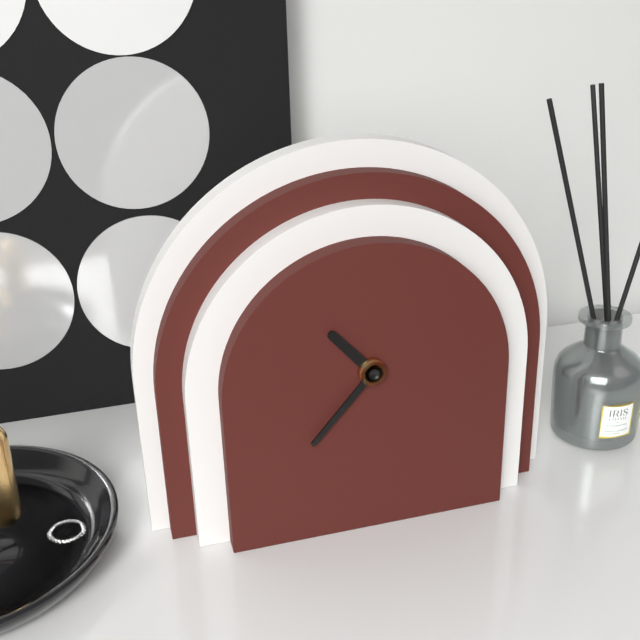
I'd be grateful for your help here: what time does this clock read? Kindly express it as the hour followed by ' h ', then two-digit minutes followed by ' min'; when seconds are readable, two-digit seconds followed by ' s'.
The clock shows 10 h 37 min
